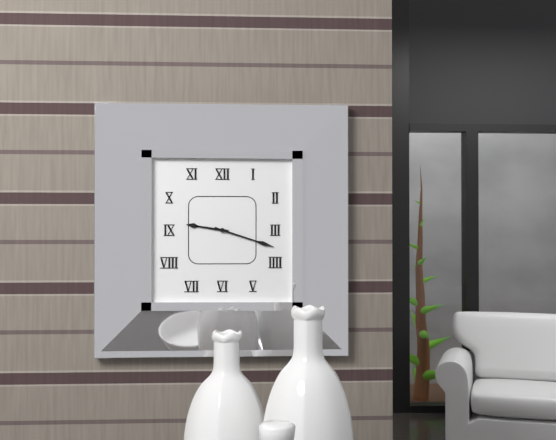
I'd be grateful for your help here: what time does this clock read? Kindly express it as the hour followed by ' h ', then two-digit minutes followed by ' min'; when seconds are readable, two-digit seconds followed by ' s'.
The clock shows 9 h 18 min
